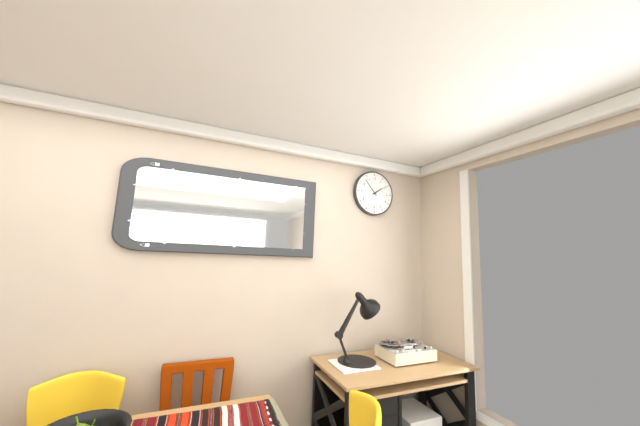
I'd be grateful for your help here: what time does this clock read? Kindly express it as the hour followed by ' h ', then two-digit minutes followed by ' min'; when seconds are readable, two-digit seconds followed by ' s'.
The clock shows 1 h 53 min
